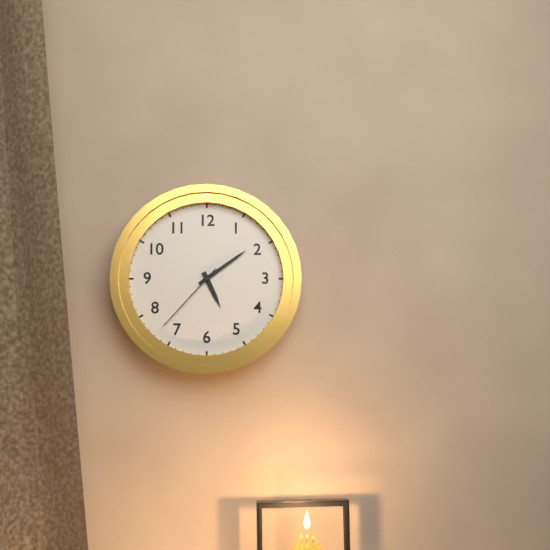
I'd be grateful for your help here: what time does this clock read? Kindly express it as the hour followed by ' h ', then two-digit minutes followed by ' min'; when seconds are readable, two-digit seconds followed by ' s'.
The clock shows 5 h 09 min 37 s
